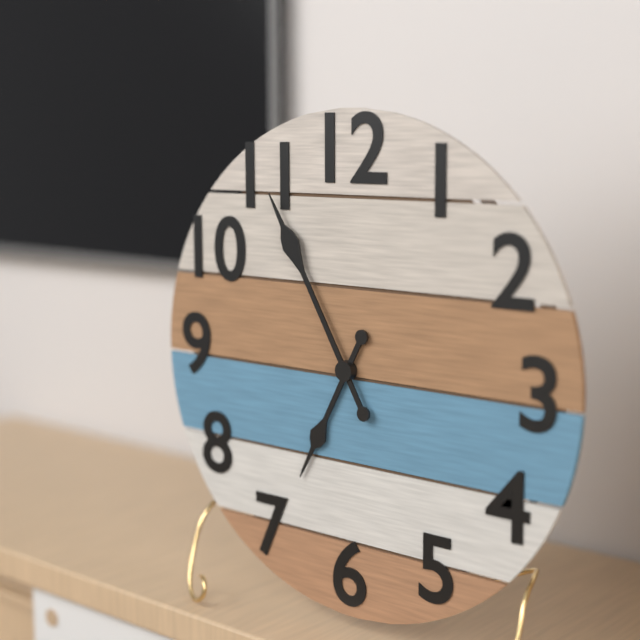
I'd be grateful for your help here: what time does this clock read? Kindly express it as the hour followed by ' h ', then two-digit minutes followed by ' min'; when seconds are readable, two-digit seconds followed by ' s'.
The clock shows 6 h 55 min
